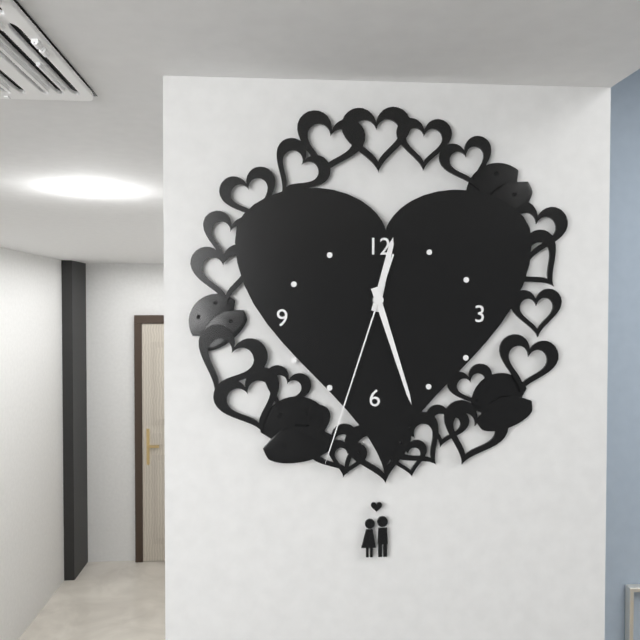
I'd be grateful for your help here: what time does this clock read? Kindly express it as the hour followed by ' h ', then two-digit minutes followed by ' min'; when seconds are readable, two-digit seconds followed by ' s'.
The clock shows 12 h 27 min 33 s
